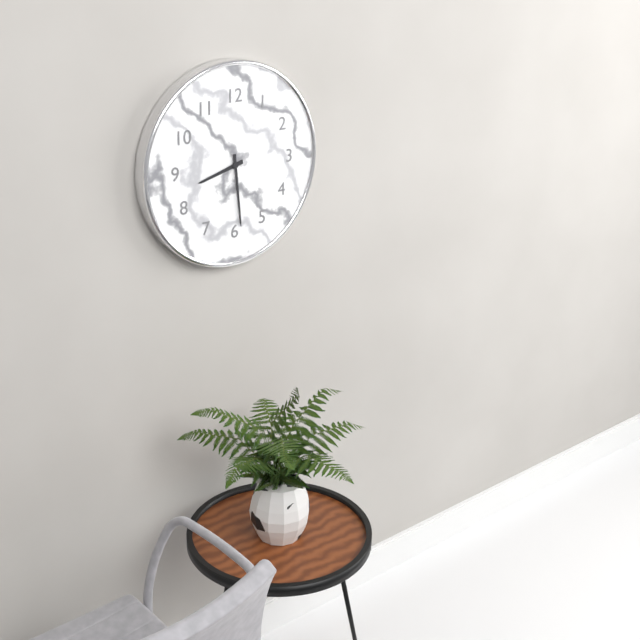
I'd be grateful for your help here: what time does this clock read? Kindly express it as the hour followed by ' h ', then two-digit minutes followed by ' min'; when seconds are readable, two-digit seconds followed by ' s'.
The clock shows 8 h 29 min
